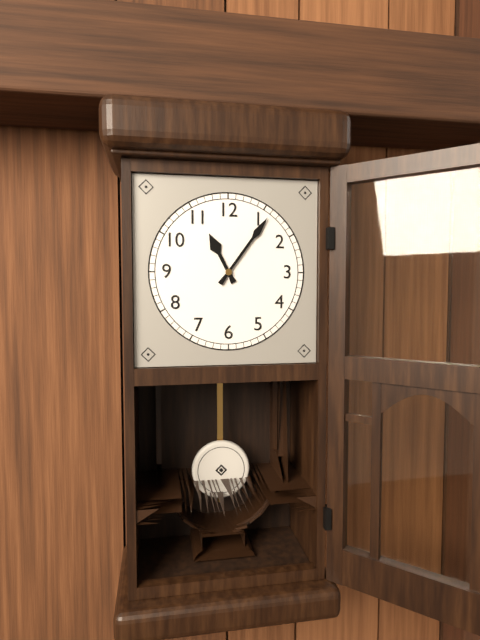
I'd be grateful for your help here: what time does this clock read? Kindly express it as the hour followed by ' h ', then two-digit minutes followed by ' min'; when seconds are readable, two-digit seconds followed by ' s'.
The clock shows 11 h 06 min
